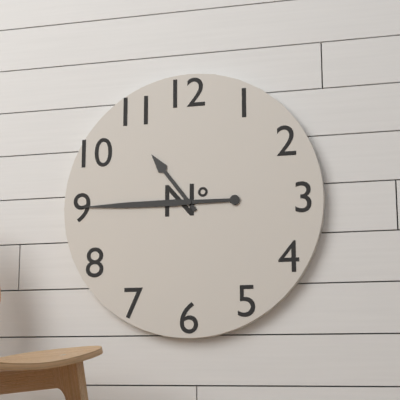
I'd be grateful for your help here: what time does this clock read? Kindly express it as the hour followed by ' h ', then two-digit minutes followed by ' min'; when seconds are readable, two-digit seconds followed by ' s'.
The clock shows 10 h 45 min
